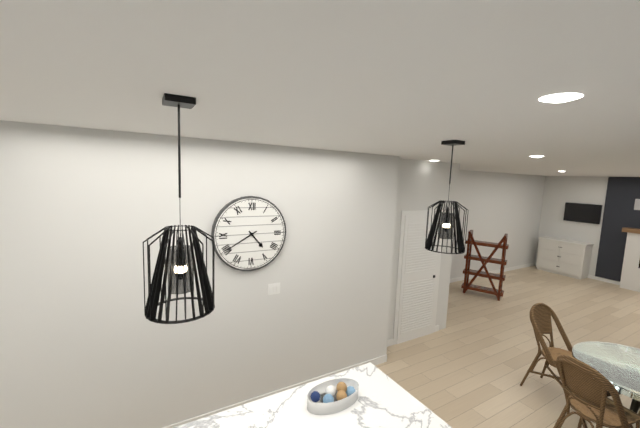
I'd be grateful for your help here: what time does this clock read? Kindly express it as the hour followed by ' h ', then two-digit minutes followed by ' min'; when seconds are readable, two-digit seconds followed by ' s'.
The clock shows 4 h 40 min
